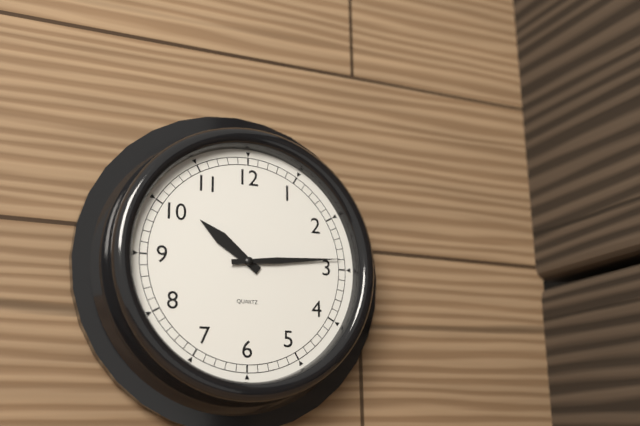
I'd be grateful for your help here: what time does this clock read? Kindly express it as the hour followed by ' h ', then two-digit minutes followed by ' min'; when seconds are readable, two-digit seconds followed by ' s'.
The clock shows 10 h 14 min
